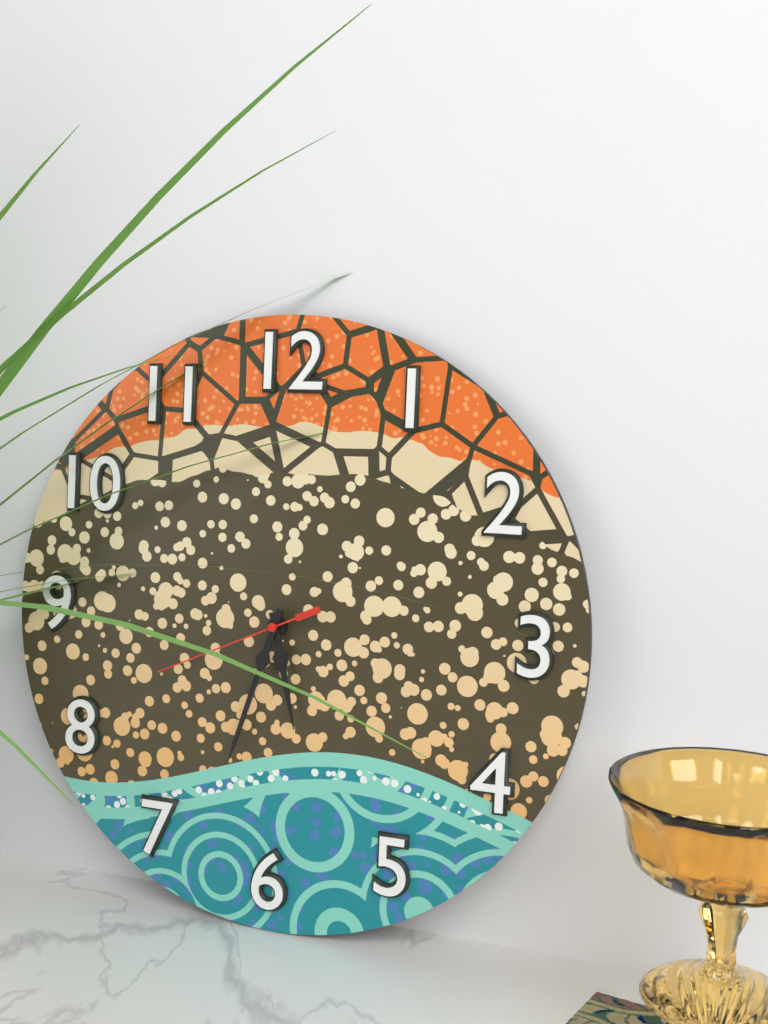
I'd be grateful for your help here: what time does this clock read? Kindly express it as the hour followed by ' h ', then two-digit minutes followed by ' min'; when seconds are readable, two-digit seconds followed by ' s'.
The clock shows 5 h 33 min 41 s
